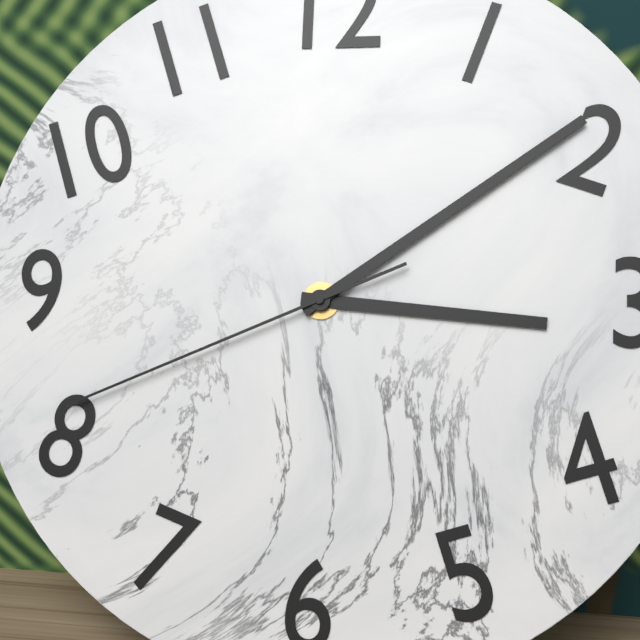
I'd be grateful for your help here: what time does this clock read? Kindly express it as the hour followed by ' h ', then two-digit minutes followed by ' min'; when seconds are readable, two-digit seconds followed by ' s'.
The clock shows 3 h 09 min 41 s
